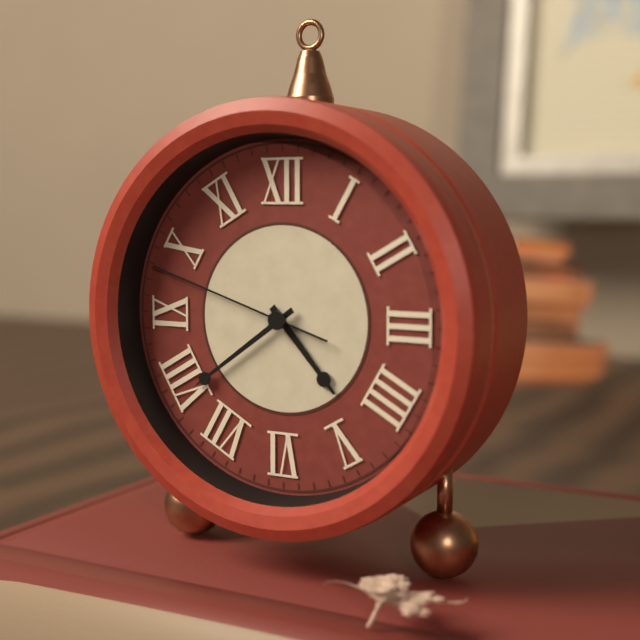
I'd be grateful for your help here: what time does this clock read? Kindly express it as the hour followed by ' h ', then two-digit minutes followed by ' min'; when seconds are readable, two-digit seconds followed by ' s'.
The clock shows 4 h 39 min 48 s
